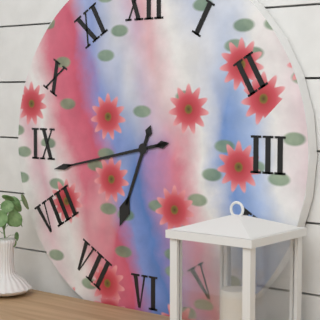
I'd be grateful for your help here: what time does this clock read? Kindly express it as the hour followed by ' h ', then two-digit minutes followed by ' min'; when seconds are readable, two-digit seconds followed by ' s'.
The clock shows 6 h 43 min
